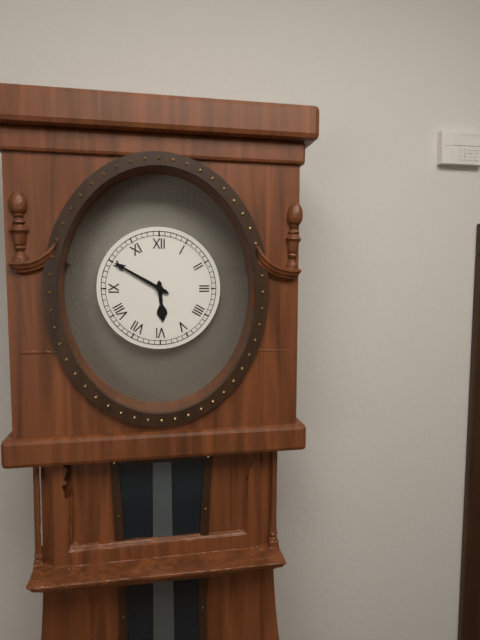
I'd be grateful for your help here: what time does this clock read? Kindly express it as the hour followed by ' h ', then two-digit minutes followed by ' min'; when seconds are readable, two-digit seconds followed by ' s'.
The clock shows 5 h 50 min
